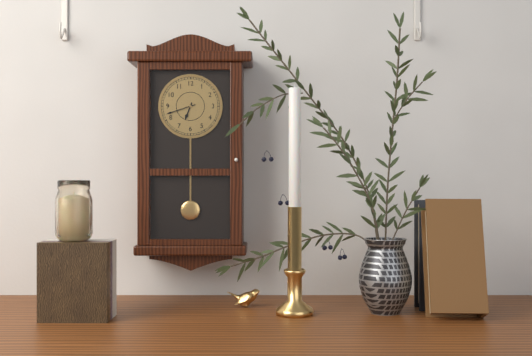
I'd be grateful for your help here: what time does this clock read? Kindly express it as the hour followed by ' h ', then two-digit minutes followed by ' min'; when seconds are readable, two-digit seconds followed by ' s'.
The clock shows 6 h 42 min
